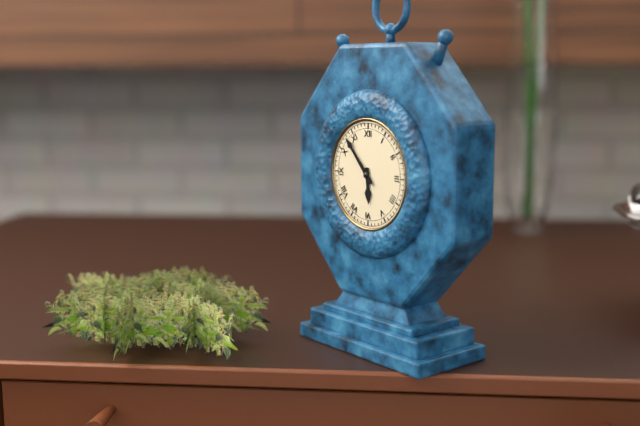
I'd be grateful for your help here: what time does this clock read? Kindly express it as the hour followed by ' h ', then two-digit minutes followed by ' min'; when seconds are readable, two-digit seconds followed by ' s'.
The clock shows 5 h 53 min
